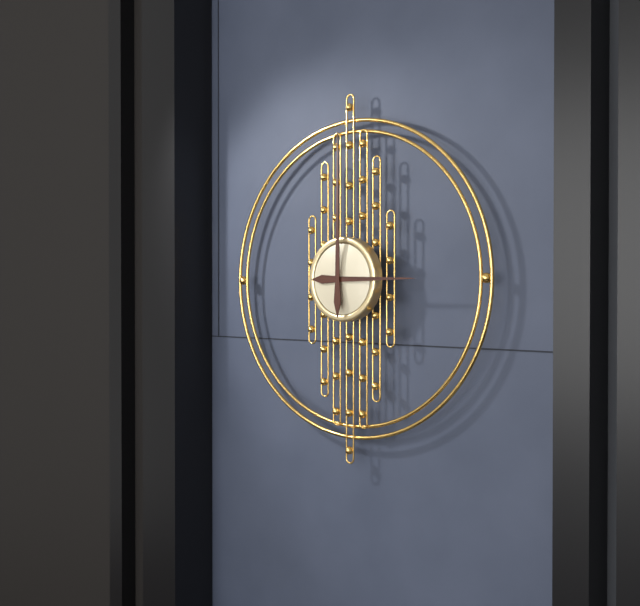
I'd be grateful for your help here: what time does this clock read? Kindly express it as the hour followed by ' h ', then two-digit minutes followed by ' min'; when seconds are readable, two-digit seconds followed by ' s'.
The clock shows 3 h 00 min
